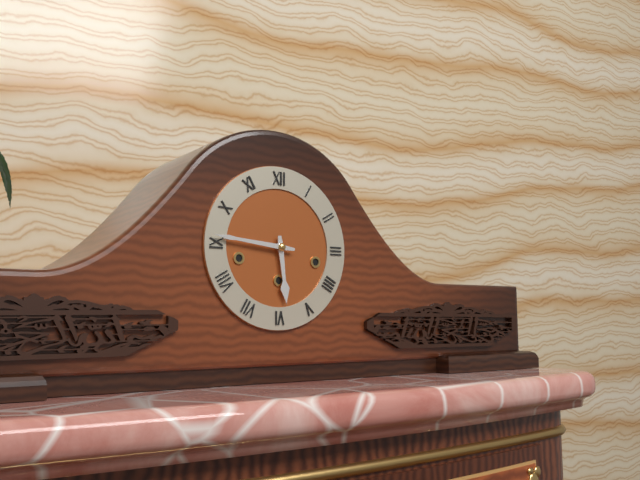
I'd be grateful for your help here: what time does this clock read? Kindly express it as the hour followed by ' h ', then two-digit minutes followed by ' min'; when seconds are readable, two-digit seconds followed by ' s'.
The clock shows 5 h 46 min
